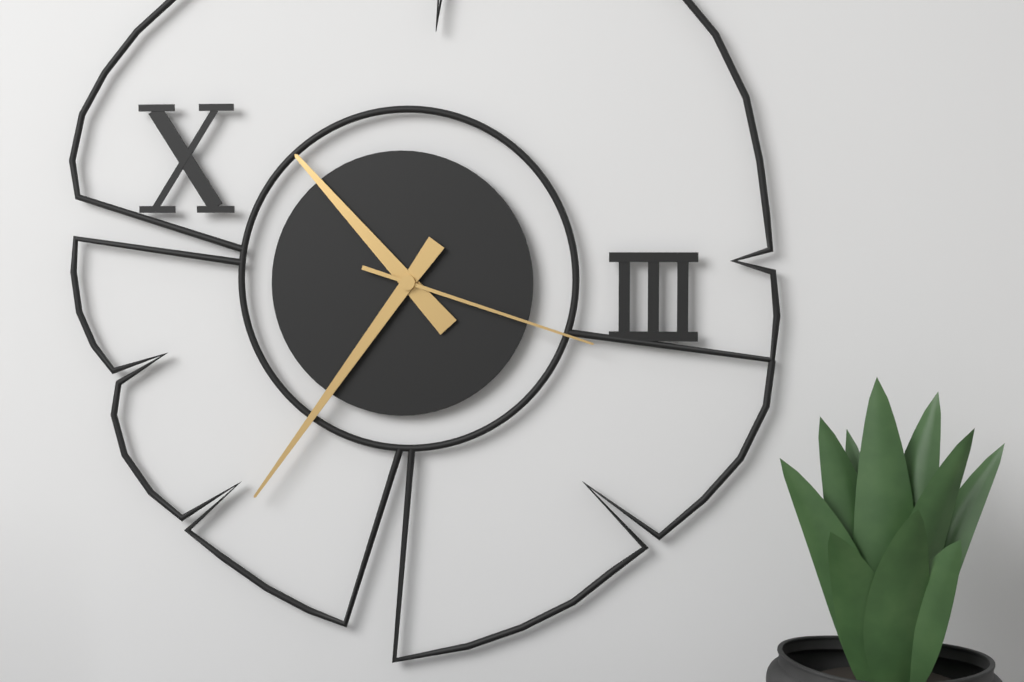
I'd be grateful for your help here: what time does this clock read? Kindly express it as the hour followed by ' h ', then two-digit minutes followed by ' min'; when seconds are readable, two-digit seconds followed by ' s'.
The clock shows 10 h 36 min 18 s
